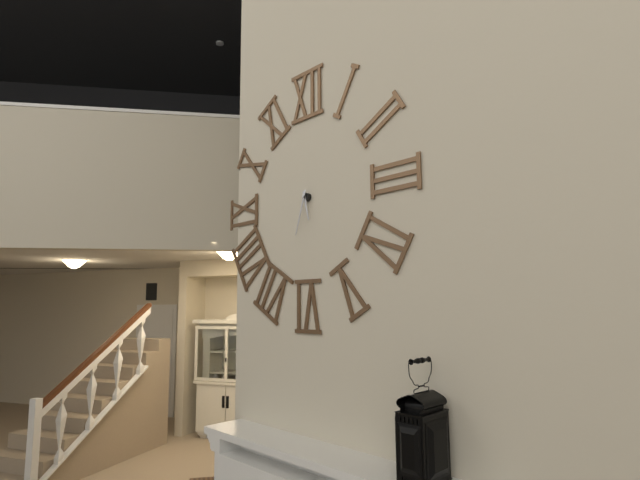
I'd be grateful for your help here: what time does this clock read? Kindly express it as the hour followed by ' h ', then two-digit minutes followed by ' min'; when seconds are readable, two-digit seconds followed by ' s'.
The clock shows 5 h 33 min
